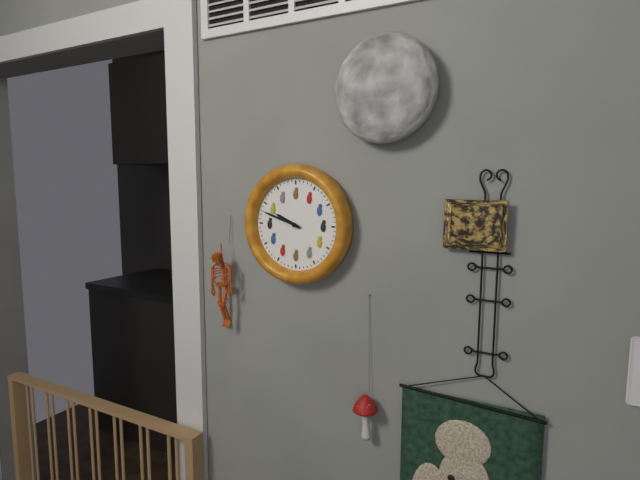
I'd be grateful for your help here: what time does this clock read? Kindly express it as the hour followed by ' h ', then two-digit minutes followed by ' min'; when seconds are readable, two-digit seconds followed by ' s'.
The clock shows 9 h 48 min
